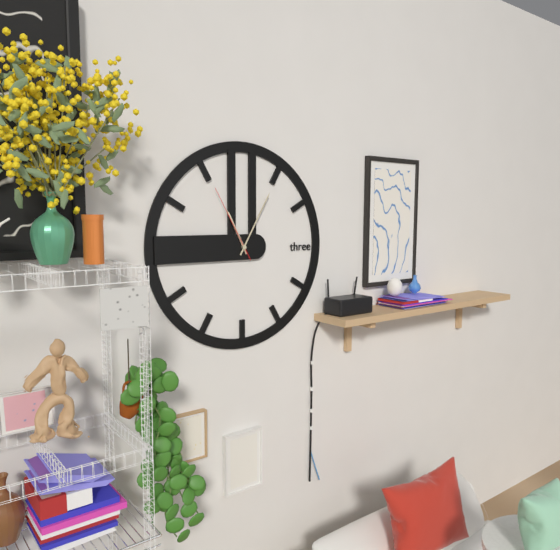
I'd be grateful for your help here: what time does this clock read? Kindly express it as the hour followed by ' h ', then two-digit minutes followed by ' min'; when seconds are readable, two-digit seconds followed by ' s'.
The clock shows 11 h 05 min 55 s
